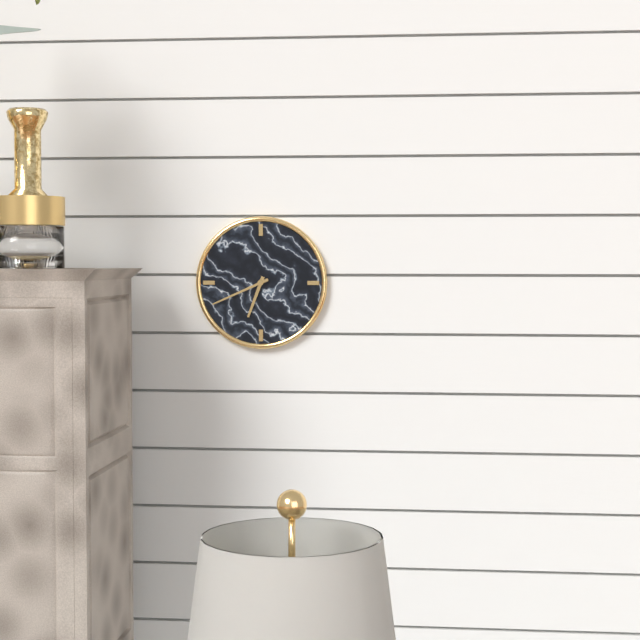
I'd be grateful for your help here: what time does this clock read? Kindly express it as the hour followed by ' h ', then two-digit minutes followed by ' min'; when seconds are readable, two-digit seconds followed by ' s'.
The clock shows 6 h 41 min
